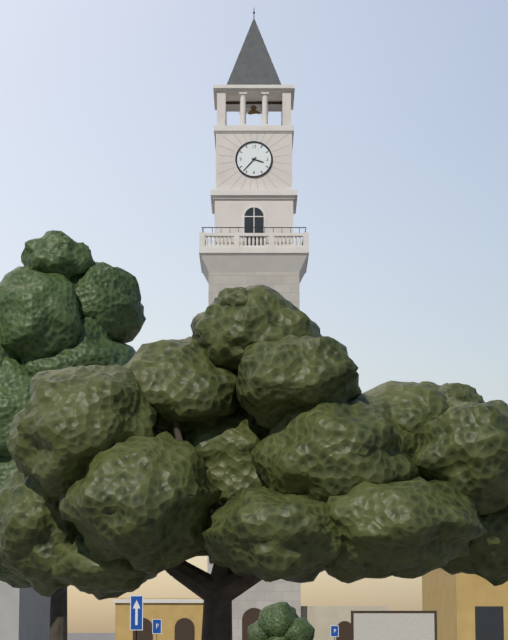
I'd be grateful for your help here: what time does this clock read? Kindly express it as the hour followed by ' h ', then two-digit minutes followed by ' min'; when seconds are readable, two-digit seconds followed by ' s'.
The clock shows 3 h 37 min
